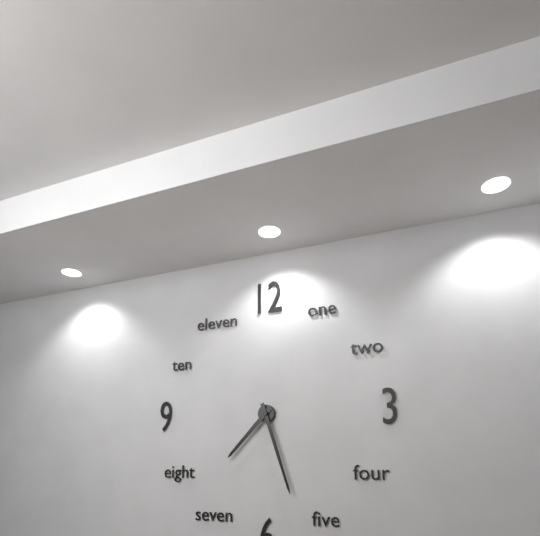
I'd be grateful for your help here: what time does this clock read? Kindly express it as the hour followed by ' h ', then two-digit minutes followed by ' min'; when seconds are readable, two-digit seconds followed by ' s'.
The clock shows 7 h 27 min
